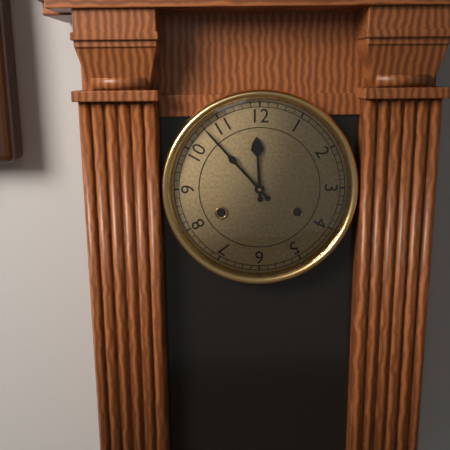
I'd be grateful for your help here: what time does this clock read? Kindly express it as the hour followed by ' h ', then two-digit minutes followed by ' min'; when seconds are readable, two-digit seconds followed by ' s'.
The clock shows 11 h 53 min
